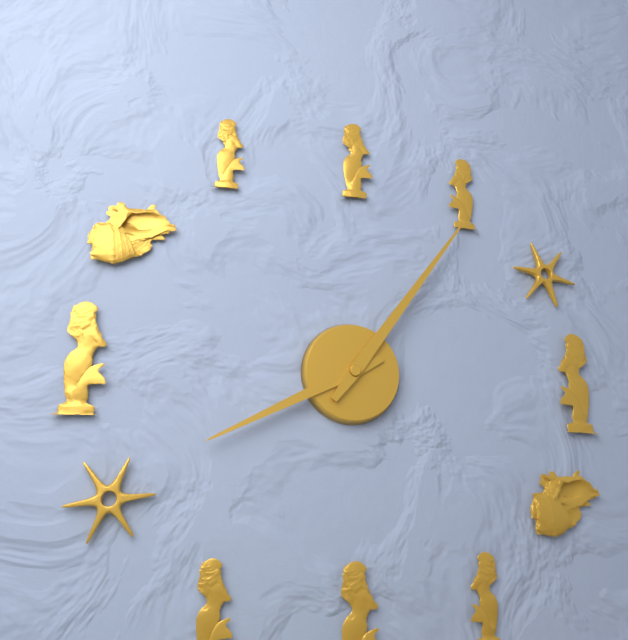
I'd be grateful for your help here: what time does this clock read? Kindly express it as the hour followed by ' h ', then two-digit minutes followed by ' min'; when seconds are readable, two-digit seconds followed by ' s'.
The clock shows 8 h 06 min
